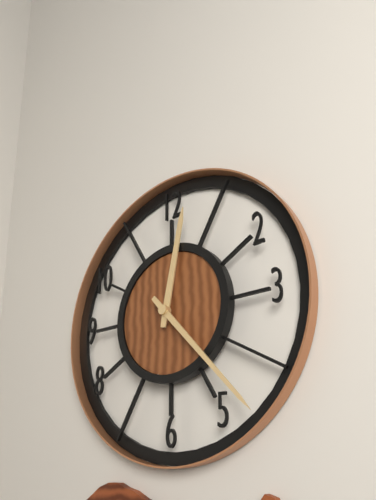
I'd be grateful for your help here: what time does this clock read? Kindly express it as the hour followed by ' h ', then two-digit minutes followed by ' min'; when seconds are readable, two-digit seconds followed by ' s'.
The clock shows 12 h 23 min
